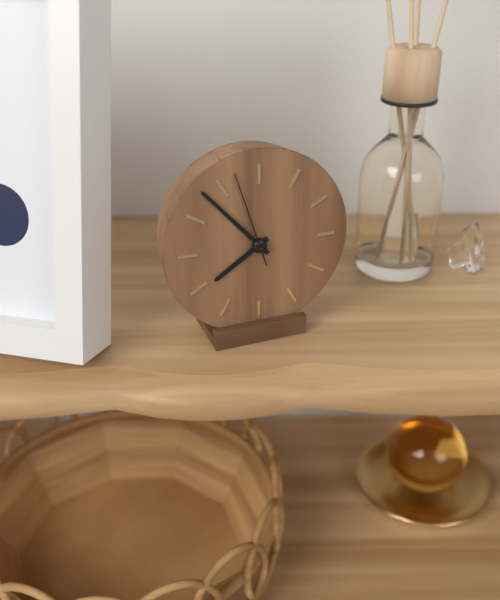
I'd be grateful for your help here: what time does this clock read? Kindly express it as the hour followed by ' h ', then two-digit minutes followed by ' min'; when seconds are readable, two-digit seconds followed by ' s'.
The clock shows 7 h 53 min 57 s
